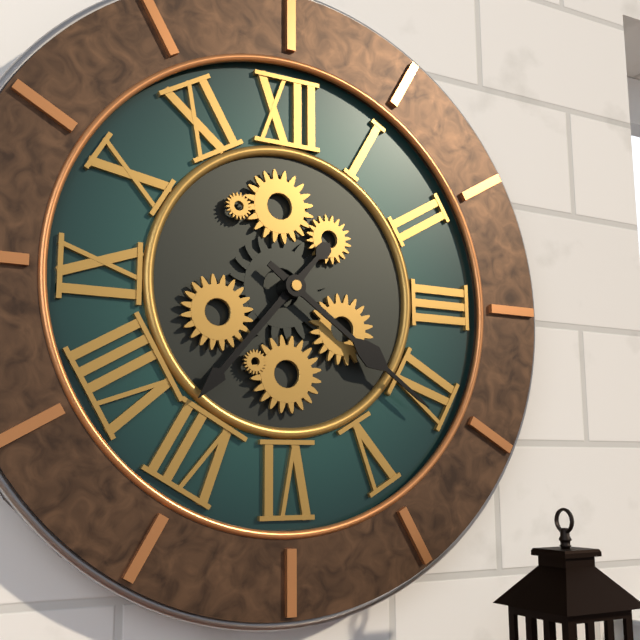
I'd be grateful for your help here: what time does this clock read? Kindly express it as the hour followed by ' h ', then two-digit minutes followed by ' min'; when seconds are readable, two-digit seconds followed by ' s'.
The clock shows 7 h 21 min
